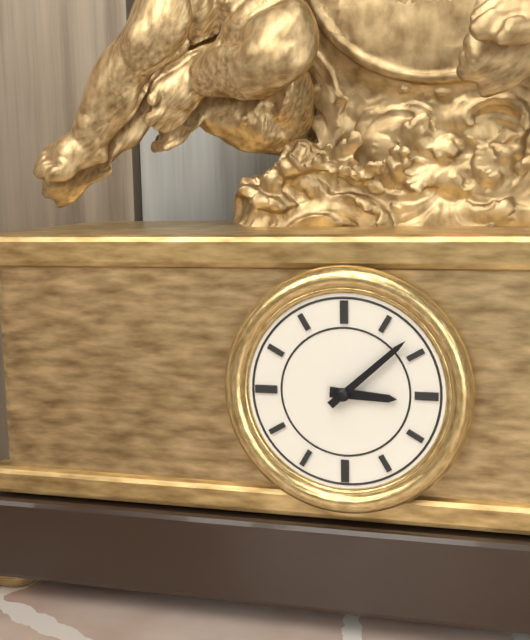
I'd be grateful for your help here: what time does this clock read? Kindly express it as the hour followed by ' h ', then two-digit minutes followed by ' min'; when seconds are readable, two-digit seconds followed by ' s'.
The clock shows 3 h 08 min
